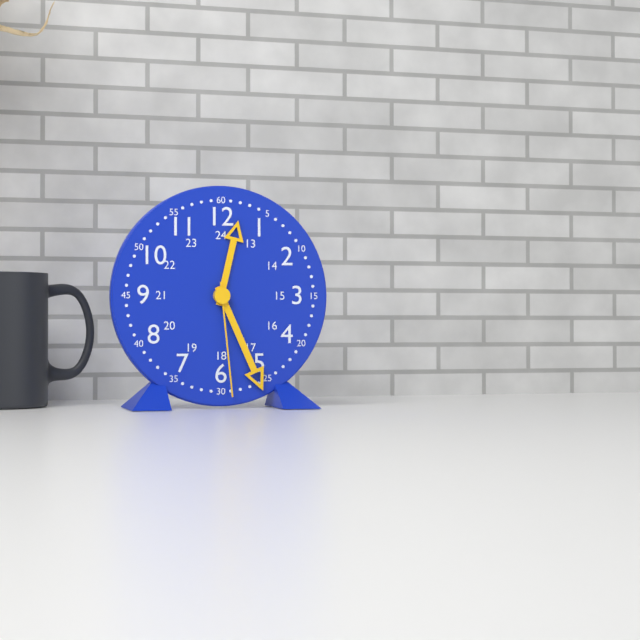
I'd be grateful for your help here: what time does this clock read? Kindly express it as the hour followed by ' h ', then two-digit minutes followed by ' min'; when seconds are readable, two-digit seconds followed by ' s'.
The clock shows 12 h 26 min 29 s
